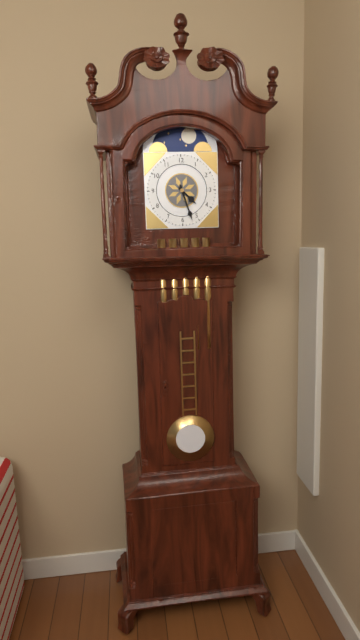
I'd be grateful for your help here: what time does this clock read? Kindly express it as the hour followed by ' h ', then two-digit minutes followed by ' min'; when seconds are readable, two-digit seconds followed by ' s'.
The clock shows 4 h 27 min
